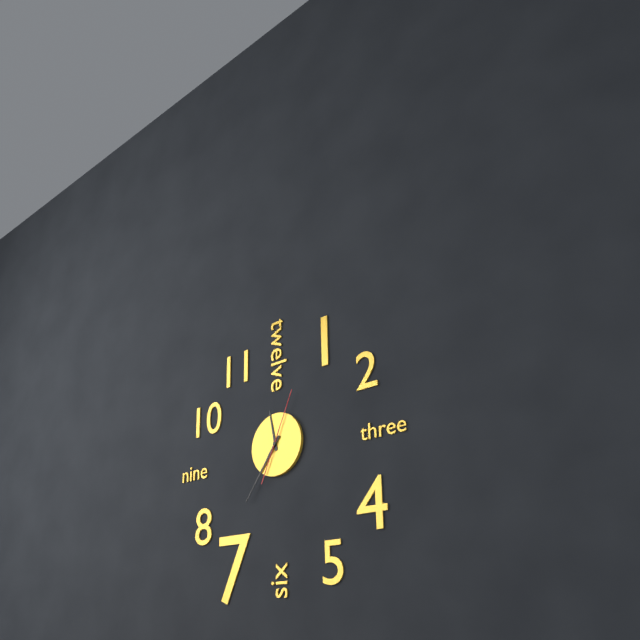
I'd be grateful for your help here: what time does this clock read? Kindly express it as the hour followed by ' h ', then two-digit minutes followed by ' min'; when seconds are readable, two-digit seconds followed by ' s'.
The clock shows 11 h 36 min 04 s
